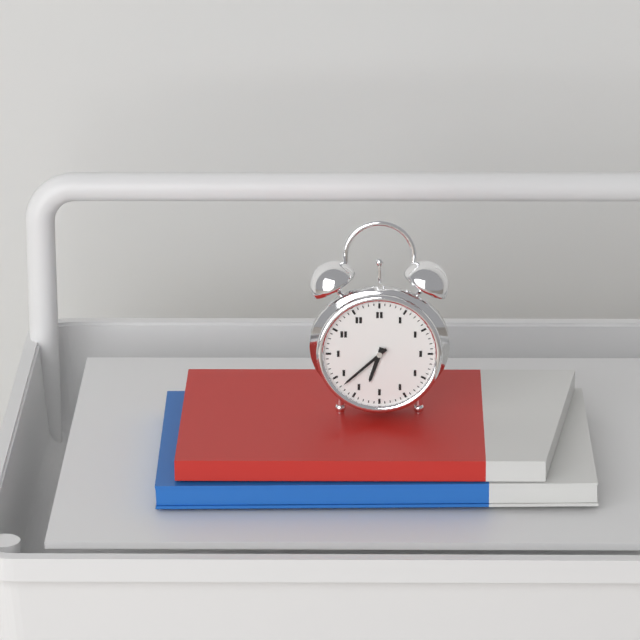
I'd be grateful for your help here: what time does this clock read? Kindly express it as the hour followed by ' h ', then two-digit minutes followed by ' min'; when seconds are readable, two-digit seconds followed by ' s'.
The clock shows 6 h 38 min
